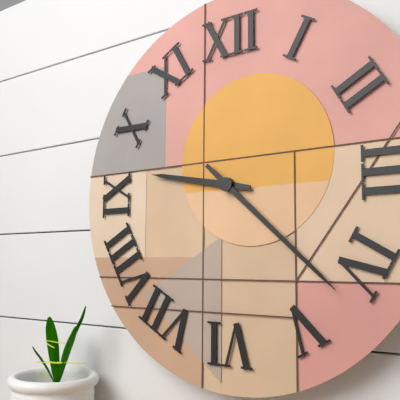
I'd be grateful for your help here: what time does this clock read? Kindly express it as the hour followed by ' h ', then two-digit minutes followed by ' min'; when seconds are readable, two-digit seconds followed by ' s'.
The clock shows 9 h 22 min
